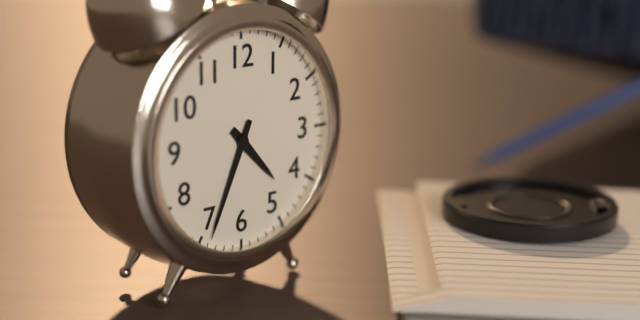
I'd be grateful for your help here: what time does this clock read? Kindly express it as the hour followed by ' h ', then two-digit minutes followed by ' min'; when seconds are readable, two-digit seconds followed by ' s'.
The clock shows 4 h 34 min
